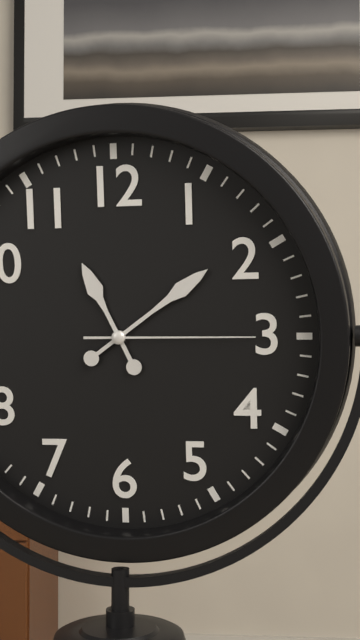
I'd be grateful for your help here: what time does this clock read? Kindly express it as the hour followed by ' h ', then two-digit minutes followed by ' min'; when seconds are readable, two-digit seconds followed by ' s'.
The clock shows 11 h 09 min 15 s
